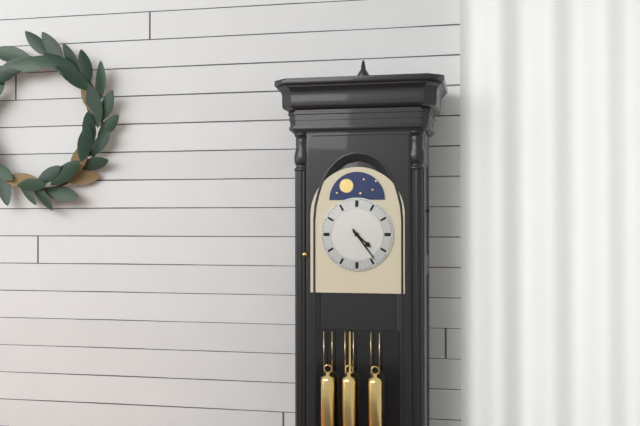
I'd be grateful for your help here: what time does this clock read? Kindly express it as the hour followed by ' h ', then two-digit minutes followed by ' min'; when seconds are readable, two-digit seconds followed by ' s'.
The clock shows 4 h 24 min
